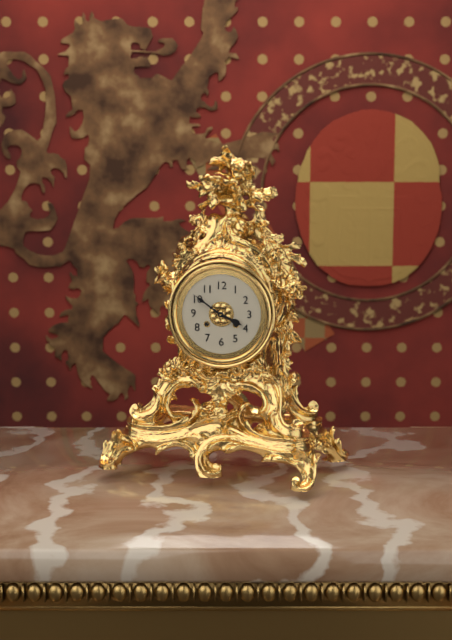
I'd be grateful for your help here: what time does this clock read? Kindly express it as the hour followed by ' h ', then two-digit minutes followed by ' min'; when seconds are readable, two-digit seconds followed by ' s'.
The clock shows 3 h 51 min
